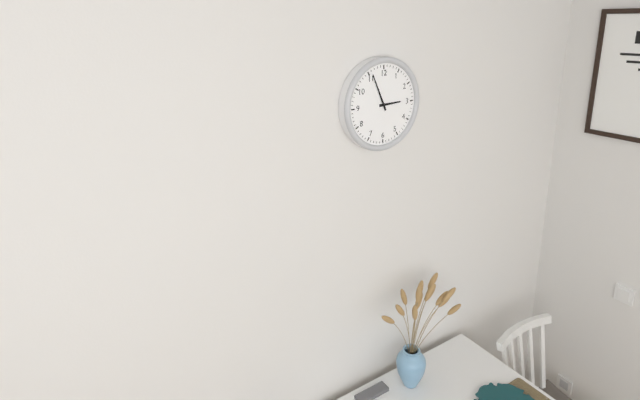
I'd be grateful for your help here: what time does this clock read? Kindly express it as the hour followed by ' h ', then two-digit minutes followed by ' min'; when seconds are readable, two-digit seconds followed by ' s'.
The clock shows 2 h 56 min
